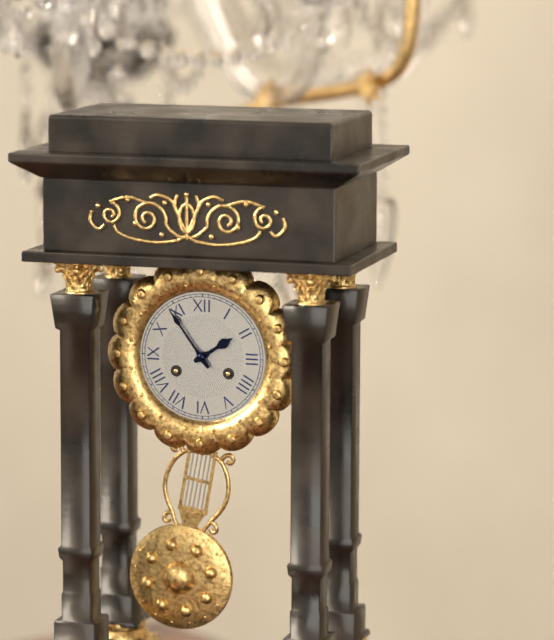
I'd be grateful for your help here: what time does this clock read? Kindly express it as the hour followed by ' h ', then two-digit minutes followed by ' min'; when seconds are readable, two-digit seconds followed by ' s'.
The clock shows 1 h 54 min
